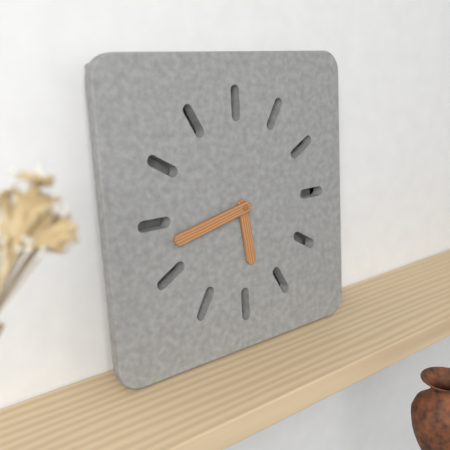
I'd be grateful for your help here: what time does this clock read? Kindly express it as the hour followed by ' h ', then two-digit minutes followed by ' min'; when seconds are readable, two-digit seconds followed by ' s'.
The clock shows 5 h 43 min
